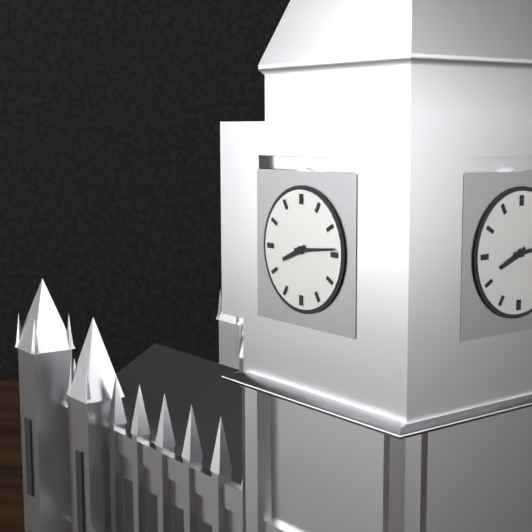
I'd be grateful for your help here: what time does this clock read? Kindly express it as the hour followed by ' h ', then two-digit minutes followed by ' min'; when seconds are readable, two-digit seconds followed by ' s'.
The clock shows 8 h 14 min
